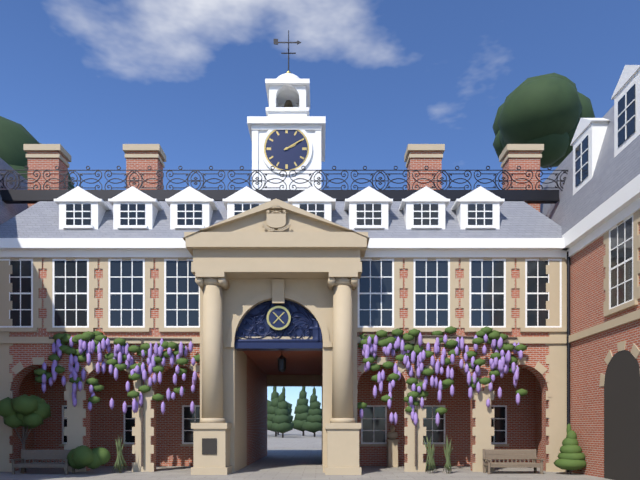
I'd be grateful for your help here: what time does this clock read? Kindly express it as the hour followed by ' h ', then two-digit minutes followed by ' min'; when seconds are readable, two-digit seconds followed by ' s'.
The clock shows 2 h 10 min
